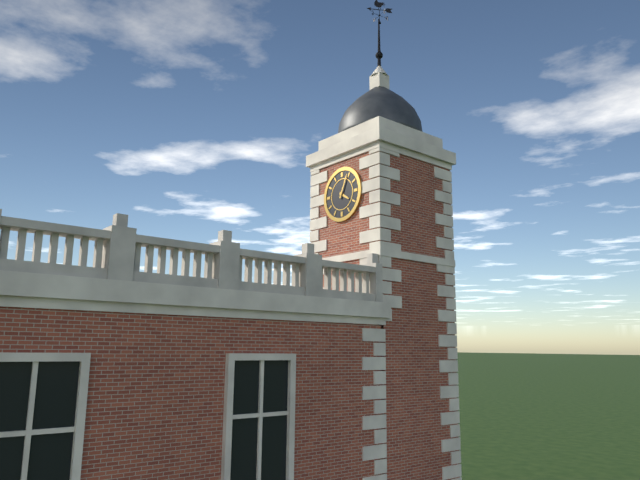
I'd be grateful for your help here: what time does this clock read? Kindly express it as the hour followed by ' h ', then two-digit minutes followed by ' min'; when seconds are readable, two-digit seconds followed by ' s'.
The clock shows 4 h 04 min
